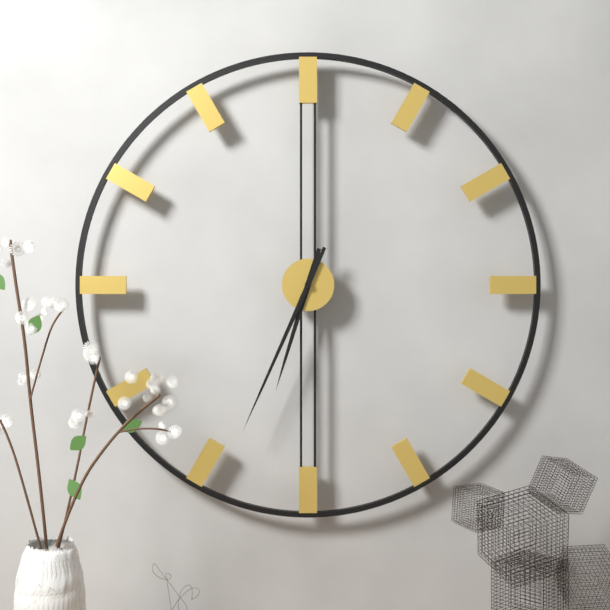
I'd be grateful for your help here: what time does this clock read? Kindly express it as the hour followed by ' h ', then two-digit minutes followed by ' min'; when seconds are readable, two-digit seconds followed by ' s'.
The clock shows 6 h 34 min
